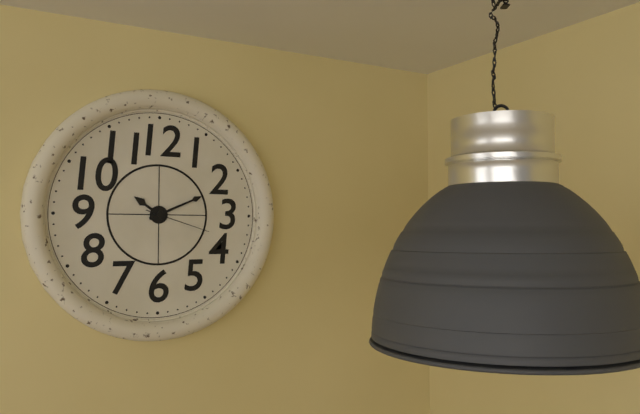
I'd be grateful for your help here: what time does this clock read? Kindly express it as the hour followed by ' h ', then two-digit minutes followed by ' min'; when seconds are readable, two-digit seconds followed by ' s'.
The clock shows 10 h 11 min 18 s
